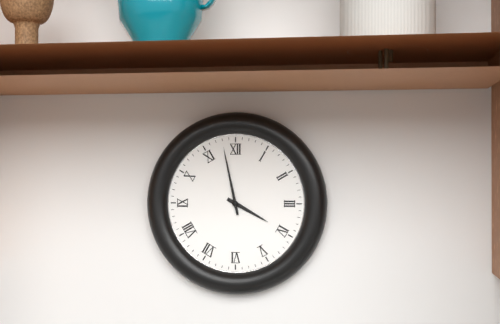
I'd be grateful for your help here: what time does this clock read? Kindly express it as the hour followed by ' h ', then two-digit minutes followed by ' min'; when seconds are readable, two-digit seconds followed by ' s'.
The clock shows 3 h 58 min
